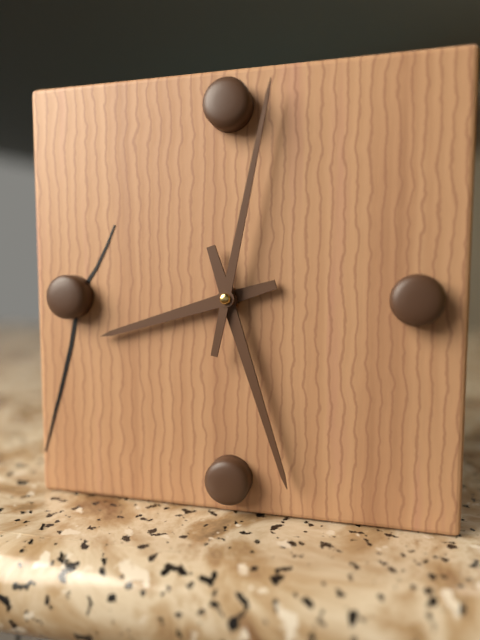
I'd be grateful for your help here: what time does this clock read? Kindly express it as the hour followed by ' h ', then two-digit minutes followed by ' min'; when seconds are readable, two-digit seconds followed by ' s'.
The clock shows 8 h 27 min 02 s
